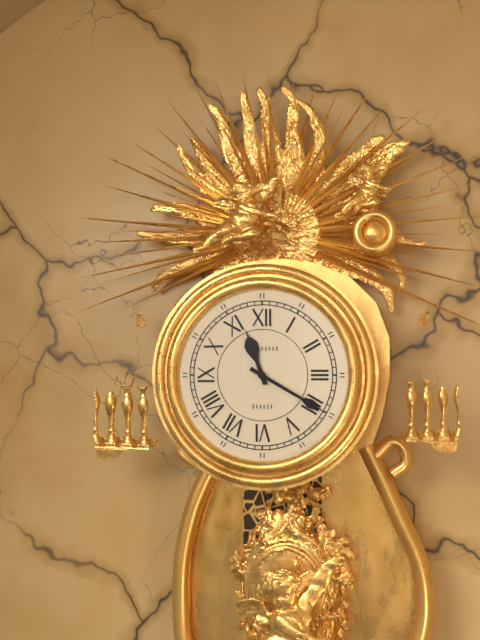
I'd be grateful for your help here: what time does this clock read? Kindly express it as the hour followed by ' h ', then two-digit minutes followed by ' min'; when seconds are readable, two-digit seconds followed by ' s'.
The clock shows 11 h 20 min
